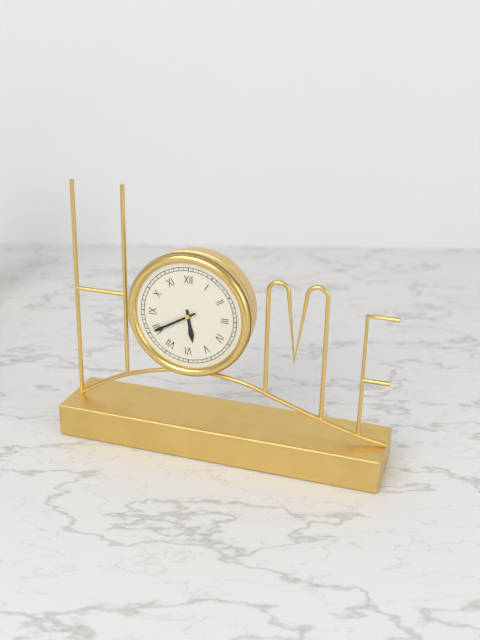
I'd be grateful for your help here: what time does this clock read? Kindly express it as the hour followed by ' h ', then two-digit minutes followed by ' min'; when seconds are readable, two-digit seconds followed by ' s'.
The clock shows 5 h 40 min
